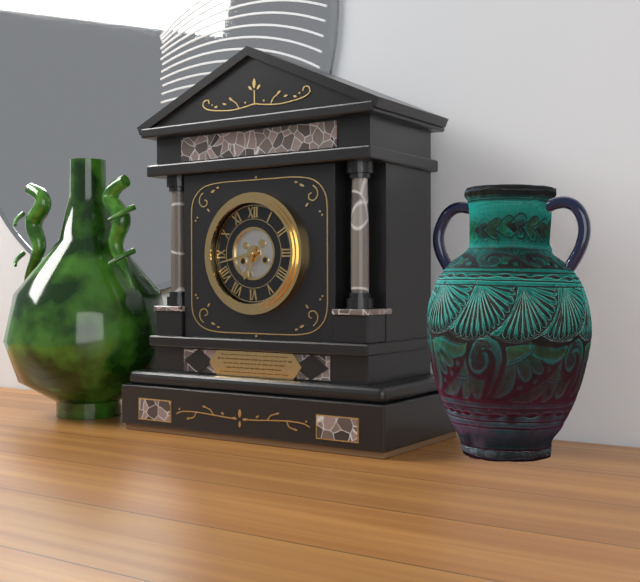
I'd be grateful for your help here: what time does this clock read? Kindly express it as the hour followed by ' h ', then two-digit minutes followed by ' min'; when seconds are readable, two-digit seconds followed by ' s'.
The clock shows 6 h 43 min
